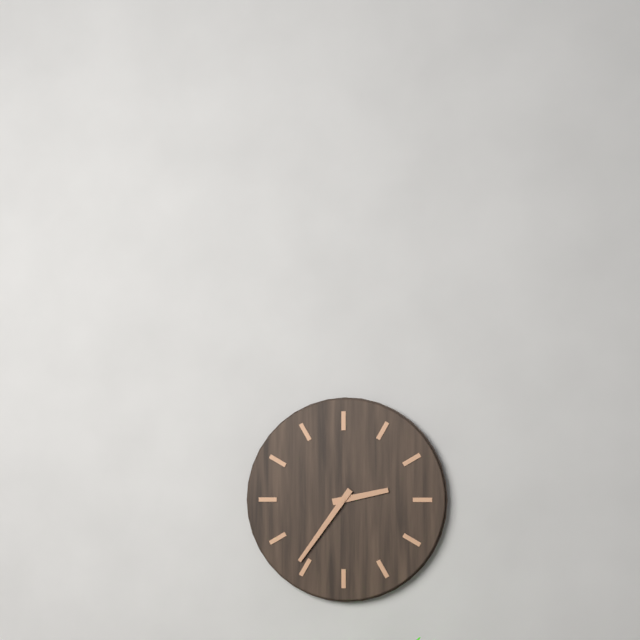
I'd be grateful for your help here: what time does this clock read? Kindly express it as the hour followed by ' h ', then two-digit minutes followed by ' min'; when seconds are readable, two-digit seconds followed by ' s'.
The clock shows 2 h 36 min
